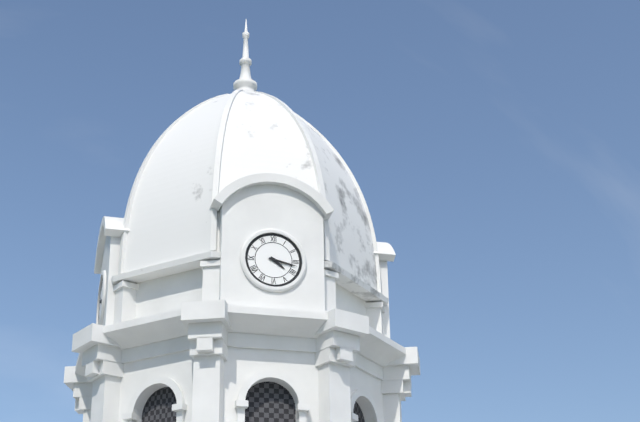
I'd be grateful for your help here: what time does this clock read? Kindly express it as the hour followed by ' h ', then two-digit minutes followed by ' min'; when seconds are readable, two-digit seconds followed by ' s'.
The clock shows 4 h 17 min
